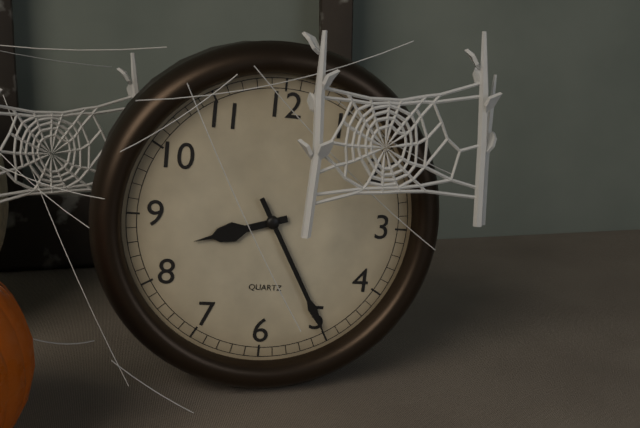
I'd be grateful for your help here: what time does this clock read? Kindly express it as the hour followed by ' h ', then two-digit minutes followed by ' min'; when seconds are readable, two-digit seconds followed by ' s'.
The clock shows 8 h 25 min
